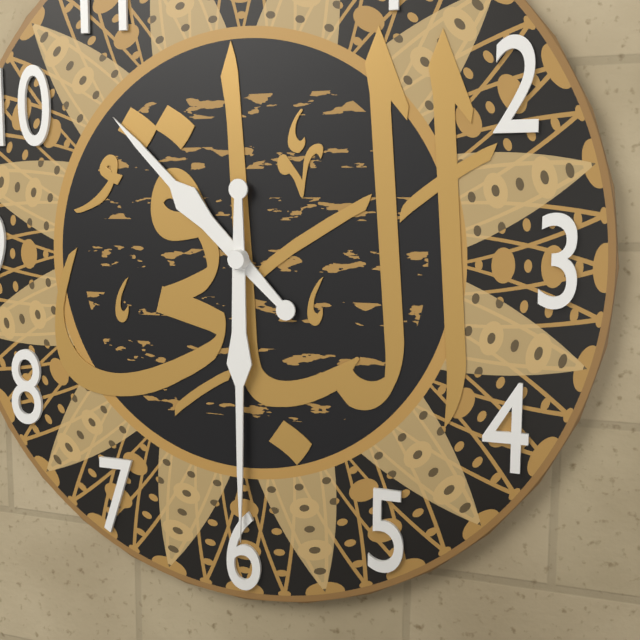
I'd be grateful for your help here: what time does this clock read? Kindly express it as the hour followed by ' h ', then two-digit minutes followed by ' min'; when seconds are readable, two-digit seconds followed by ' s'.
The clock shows 10 h 30 min
